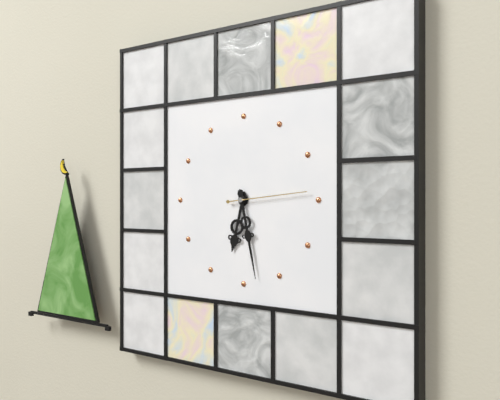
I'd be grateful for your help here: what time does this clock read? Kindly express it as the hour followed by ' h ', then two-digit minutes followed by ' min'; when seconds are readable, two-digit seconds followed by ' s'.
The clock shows 6 h 28 min 14 s
